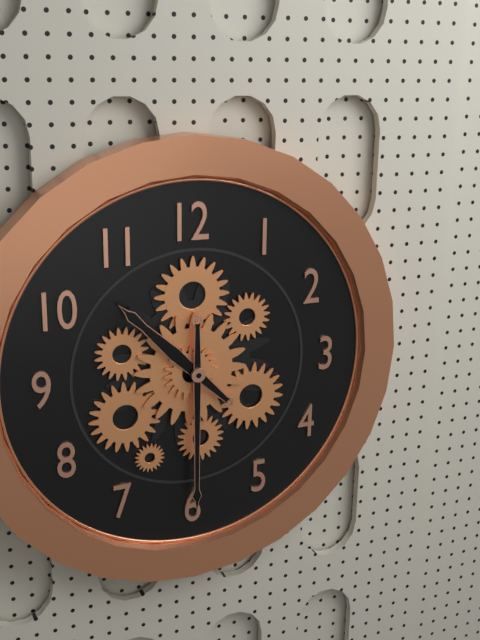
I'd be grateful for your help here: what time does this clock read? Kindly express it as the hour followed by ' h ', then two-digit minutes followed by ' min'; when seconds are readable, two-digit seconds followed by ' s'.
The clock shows 10 h 30 min
